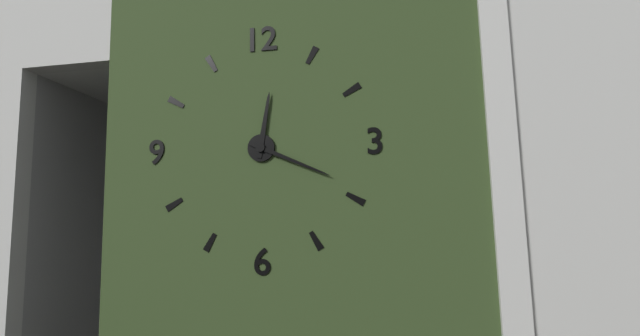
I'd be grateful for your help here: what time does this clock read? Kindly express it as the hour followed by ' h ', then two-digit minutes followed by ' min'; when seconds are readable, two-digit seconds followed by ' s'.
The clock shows 12 h 19 min
